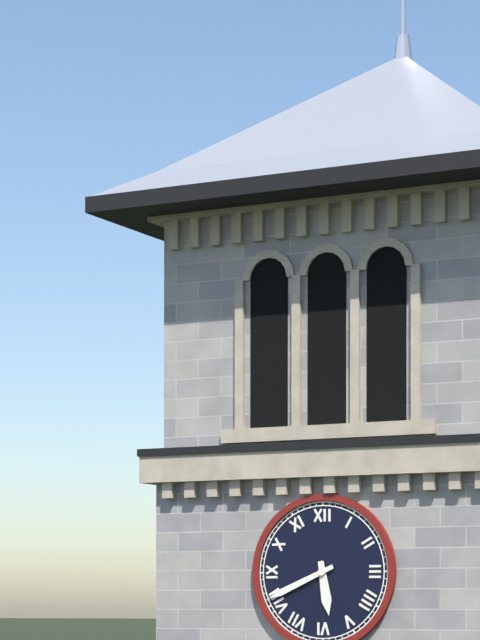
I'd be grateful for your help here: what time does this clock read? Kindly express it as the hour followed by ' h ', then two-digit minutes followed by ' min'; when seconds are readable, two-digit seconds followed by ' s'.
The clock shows 5 h 41 min
